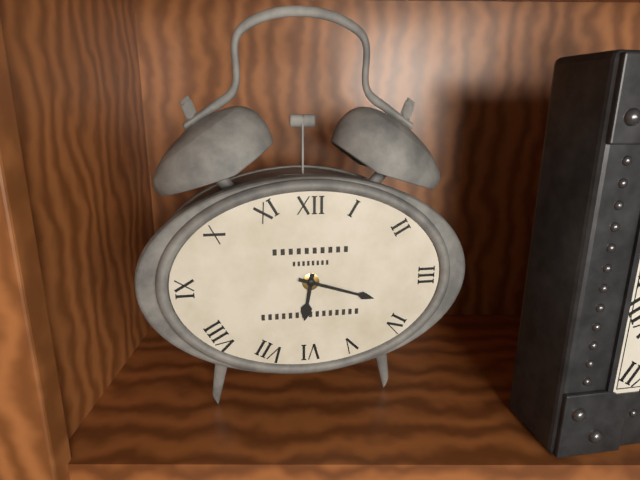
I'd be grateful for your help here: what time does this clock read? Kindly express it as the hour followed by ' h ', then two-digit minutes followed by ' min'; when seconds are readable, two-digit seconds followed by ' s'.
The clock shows 6 h 18 min
